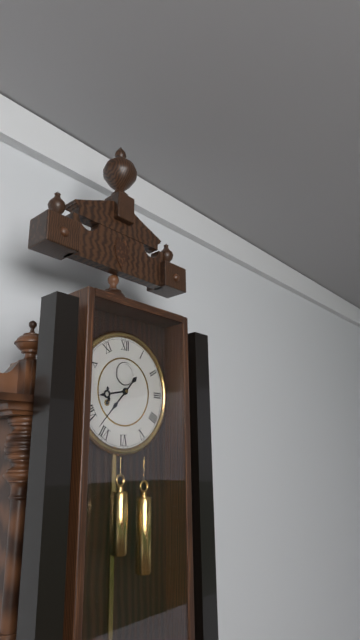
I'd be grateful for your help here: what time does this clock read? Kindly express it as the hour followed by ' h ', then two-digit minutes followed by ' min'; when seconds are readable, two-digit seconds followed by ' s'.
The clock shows 8 h 37 min
